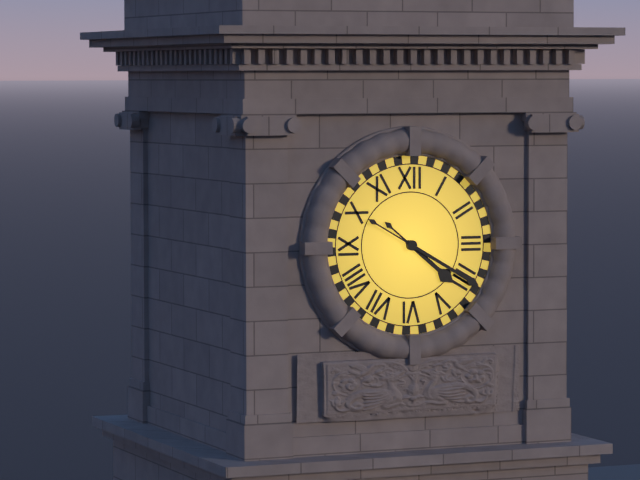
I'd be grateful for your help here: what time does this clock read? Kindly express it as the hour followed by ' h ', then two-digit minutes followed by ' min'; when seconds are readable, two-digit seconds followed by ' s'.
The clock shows 4 h 20 min
